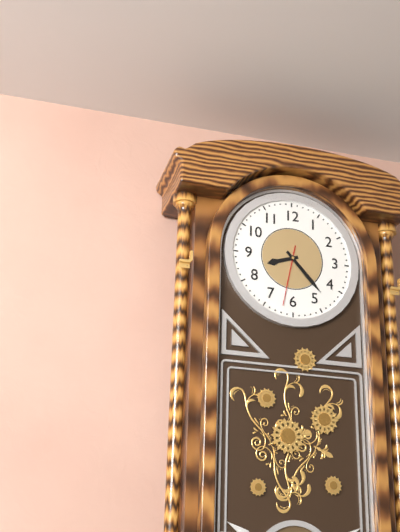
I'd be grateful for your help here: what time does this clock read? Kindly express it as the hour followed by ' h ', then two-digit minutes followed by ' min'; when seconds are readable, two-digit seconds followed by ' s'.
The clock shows 8 h 23 min
